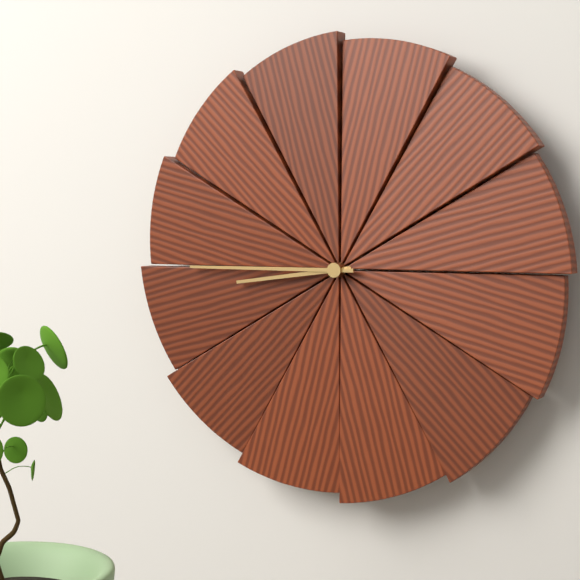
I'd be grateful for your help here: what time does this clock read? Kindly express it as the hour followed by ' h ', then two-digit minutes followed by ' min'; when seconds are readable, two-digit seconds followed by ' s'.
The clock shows 8 h 45 min
